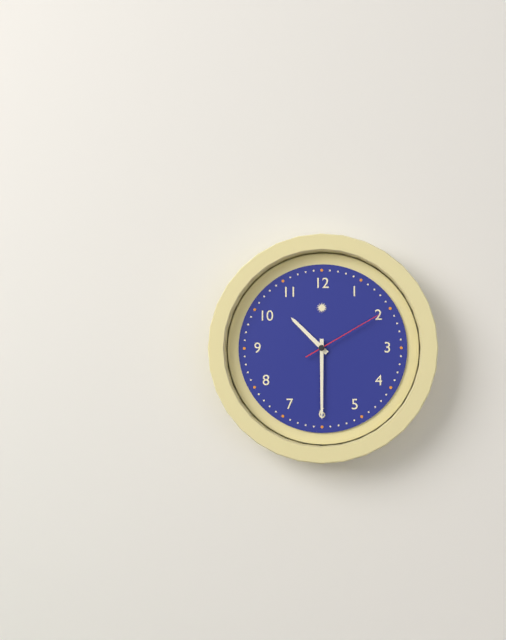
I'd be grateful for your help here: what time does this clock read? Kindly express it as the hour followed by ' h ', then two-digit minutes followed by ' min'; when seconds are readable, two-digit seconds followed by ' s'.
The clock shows 10 h 30 min 10 s
